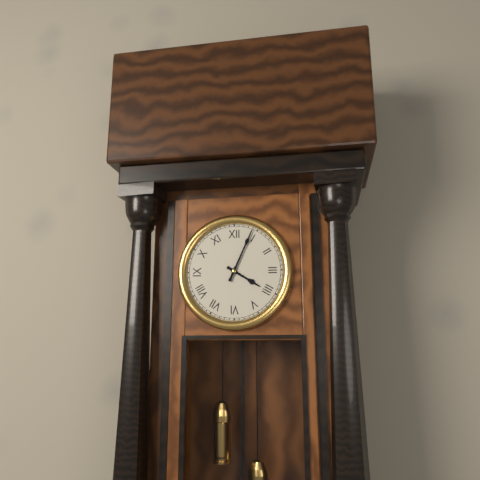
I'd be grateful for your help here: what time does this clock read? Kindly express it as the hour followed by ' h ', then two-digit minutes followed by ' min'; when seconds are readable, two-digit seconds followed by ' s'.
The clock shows 4 h 04 min
